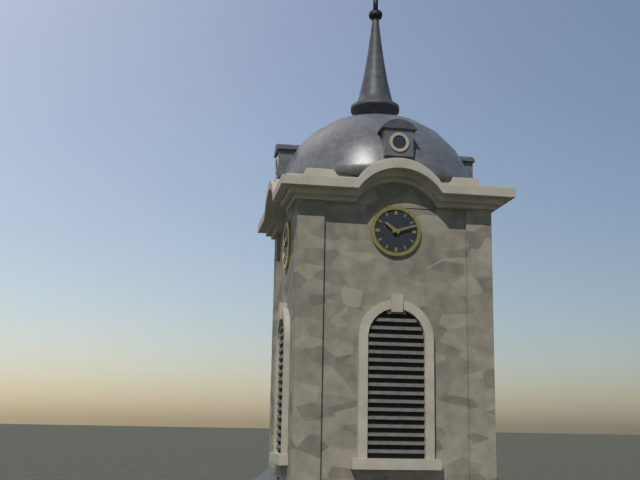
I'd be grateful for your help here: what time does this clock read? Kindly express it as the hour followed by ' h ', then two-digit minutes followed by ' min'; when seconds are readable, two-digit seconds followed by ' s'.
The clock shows 10 h 12 min
